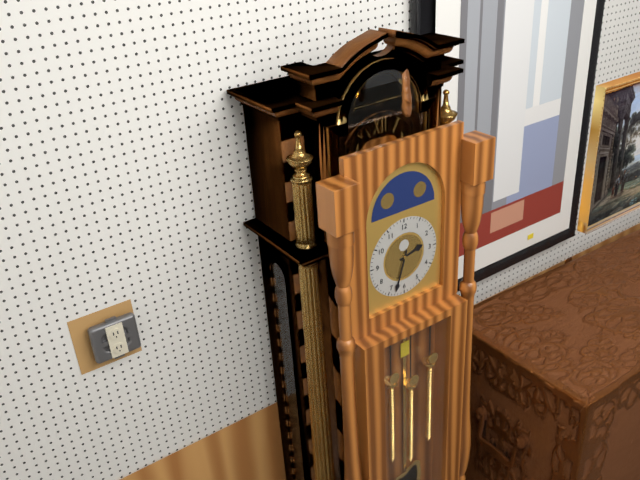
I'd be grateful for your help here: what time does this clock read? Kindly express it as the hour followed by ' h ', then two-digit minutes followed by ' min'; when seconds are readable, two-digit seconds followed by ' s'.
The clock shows 2 h 33 min
